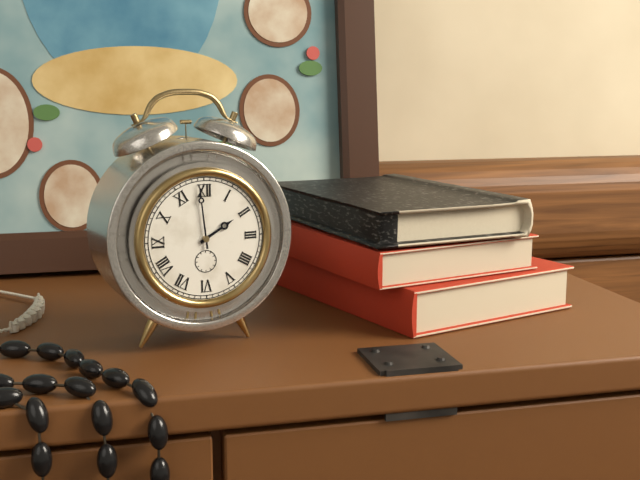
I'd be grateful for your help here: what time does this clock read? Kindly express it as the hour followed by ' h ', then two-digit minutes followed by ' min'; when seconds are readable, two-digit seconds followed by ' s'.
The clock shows 1 h 59 min
